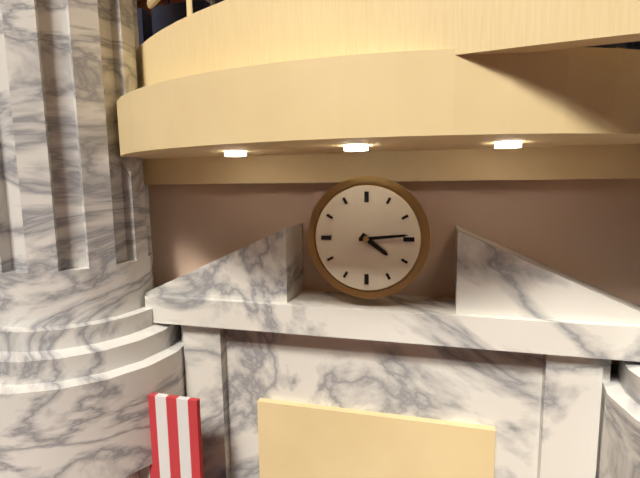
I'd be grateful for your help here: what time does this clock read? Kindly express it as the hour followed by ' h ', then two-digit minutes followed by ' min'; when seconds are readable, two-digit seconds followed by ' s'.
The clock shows 4 h 14 min
